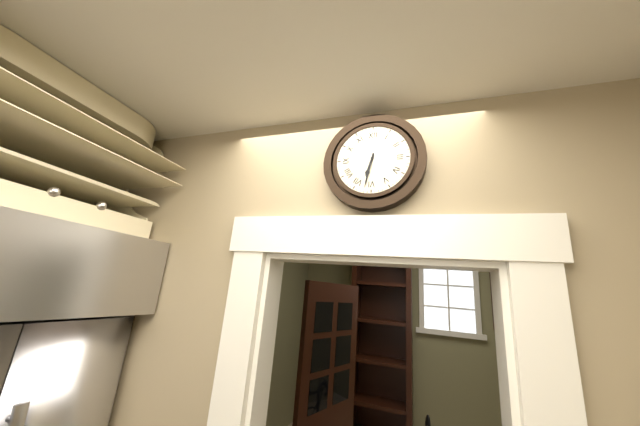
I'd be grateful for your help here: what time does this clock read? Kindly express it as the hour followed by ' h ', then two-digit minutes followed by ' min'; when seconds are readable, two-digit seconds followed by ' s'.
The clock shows 6 h 32 min
